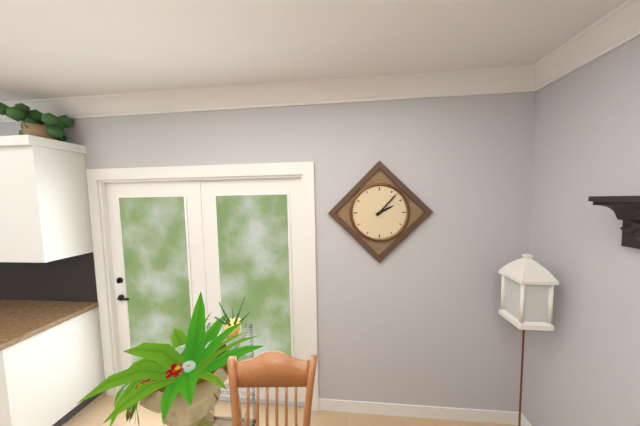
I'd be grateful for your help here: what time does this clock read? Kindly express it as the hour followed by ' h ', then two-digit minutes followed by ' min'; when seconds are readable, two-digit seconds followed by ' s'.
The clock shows 2 h 07 min
